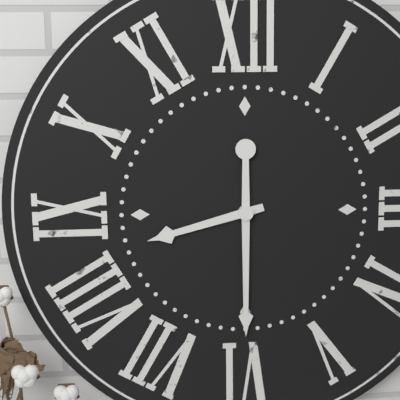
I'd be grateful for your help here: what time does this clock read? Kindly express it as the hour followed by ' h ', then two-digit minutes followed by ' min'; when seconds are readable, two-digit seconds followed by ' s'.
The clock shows 8 h 30 min
